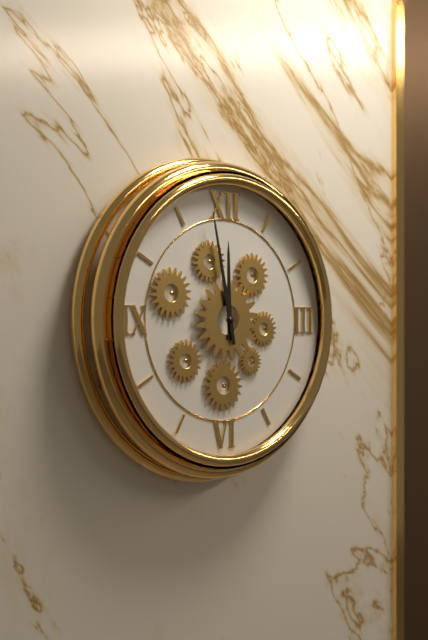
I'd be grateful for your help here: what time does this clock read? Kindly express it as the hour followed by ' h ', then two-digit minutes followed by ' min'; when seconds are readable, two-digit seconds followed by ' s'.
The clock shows 11 h 58 min
